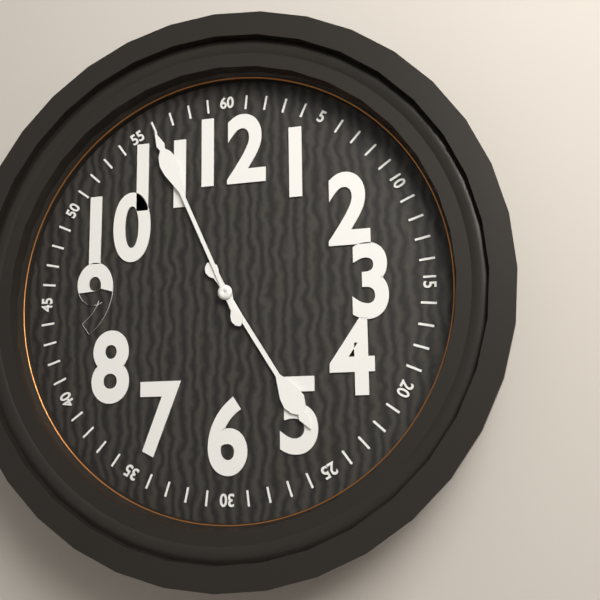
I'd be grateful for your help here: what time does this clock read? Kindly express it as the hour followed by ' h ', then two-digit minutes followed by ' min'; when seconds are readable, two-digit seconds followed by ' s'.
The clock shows 4 h 56 min
